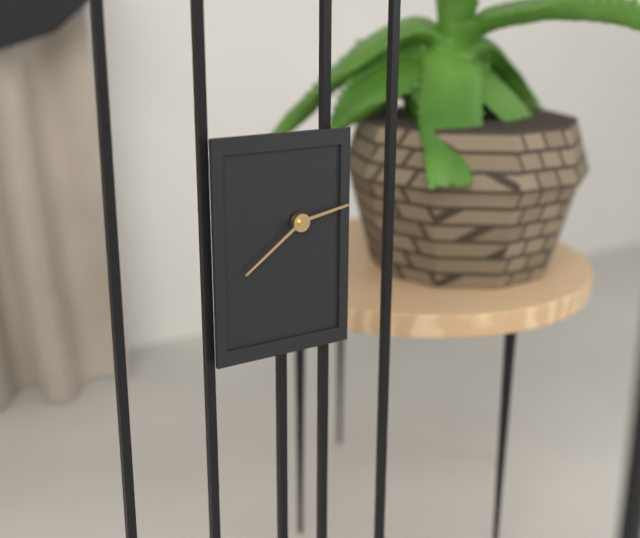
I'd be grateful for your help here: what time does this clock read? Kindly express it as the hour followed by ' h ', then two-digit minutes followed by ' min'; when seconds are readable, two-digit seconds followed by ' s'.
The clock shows 2 h 39 min
